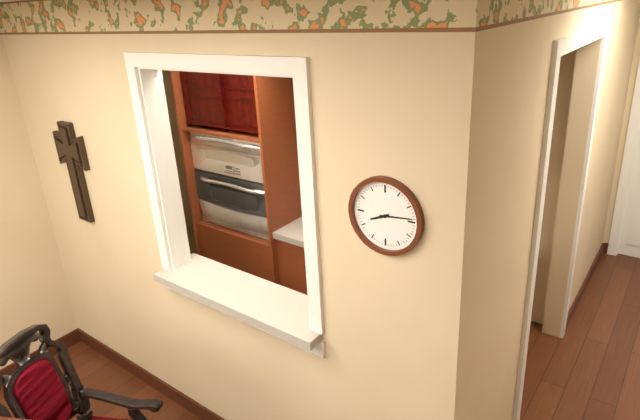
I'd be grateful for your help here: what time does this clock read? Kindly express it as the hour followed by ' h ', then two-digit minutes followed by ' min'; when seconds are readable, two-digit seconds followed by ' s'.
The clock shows 8 h 14 min
